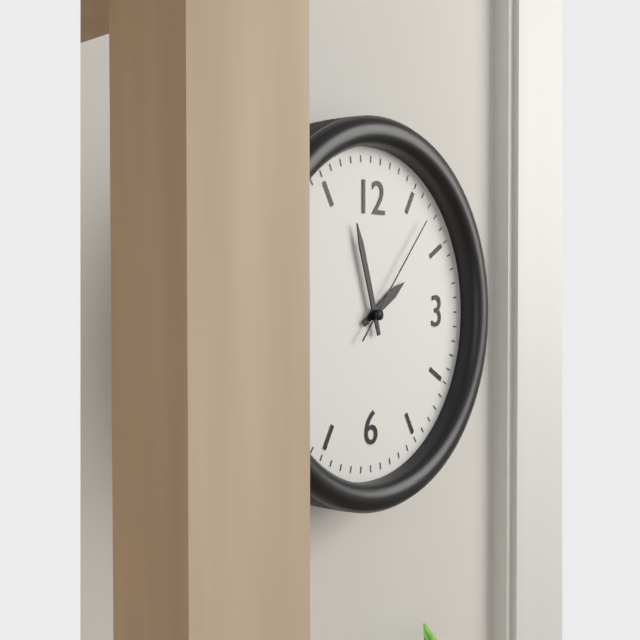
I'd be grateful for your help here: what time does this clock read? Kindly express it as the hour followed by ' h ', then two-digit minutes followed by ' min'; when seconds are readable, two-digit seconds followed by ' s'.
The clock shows 1 h 57 min 07 s
